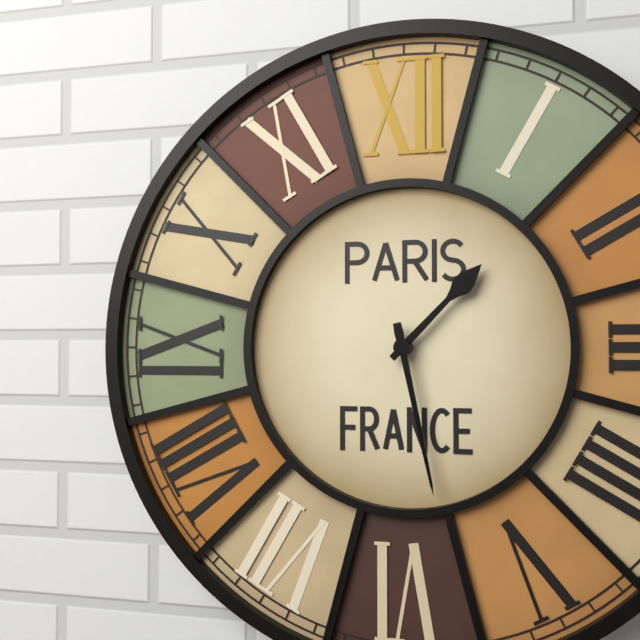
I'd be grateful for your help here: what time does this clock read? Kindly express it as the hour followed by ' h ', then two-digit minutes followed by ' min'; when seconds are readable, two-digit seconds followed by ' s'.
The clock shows 1 h 28 min
